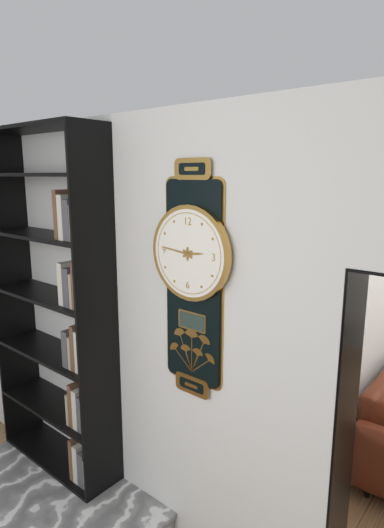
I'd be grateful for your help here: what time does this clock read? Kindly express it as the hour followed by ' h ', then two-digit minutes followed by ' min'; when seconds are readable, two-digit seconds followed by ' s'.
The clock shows 2 h 46 min
